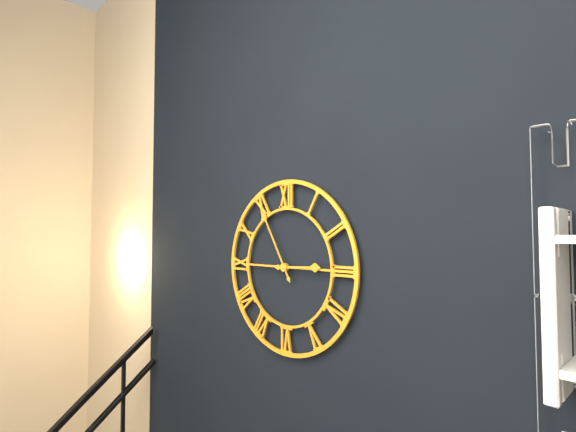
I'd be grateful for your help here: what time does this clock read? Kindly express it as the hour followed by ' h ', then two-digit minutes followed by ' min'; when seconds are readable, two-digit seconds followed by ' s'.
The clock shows 2 h 55 min
